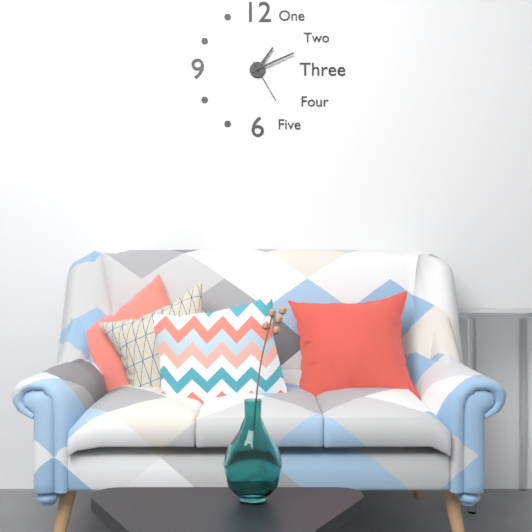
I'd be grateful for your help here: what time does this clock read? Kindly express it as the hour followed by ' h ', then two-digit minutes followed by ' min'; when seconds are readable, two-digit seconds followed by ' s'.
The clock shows 1 h 11 min
